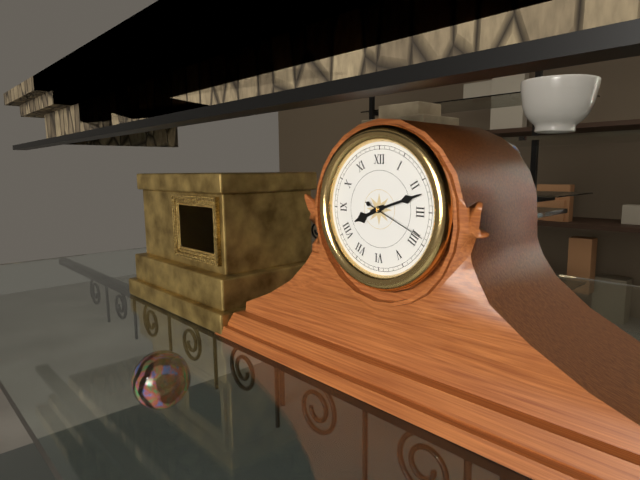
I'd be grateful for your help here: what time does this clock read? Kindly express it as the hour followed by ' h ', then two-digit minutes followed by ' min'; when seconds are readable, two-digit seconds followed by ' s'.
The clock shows 8 h 12 min 19 s
